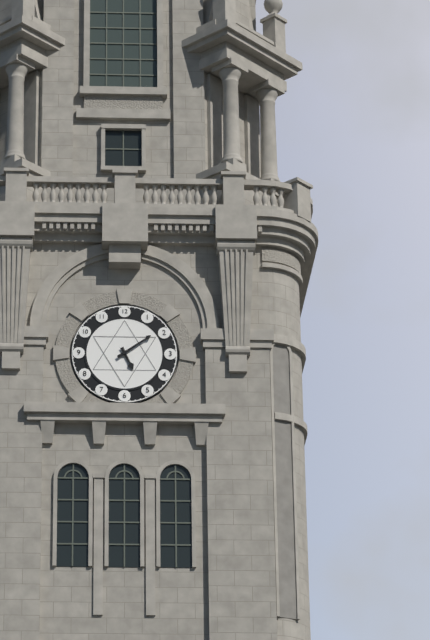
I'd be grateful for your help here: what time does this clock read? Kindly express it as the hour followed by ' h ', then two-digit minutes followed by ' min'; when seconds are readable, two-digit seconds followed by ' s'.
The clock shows 5 h 09 min
